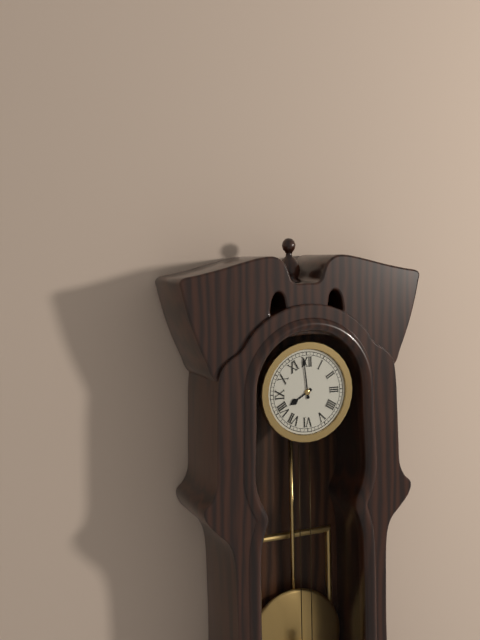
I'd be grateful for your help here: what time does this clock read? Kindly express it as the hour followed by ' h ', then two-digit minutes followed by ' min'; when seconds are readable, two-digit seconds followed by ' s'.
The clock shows 7 h 59 min
